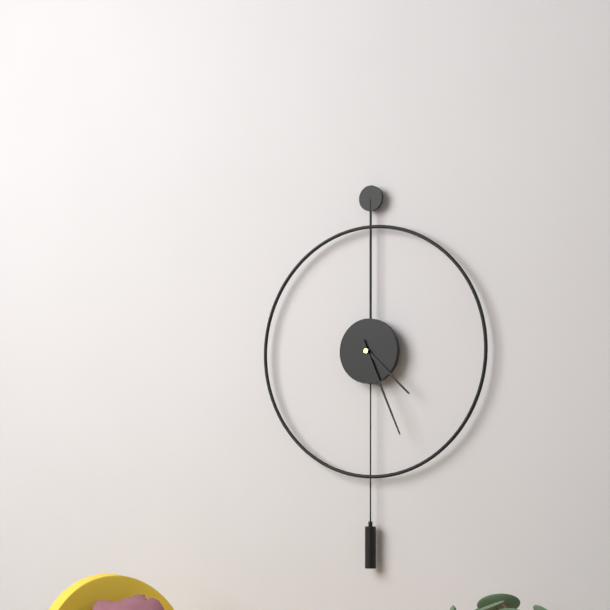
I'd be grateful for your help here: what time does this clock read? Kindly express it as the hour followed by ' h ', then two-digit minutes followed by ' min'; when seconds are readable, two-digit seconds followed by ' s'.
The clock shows 4 h 26 min
